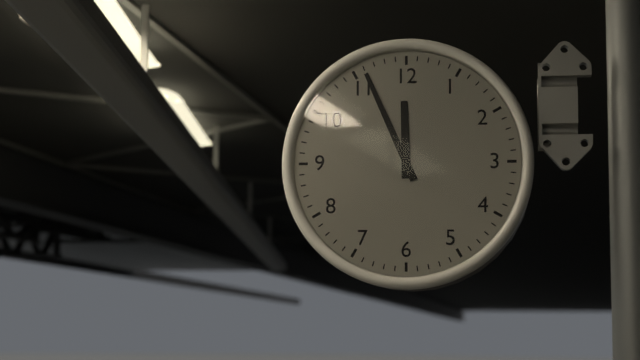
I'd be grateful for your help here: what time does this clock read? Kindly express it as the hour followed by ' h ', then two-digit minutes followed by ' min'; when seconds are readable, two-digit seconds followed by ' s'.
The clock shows 11 h 56 min
